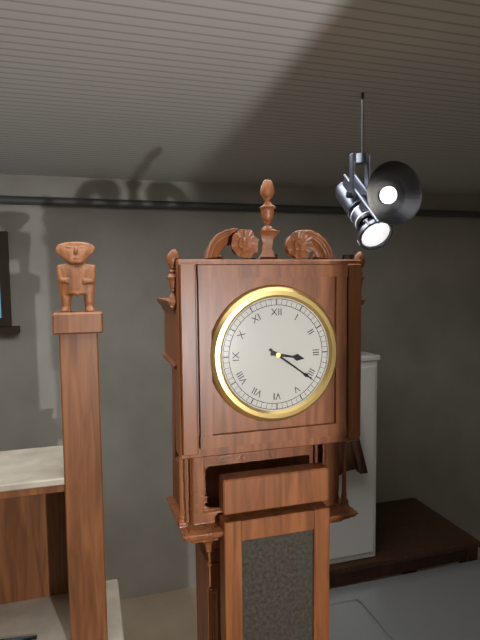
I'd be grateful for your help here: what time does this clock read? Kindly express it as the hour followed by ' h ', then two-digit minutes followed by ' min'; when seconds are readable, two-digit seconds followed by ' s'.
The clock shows 3 h 21 min
